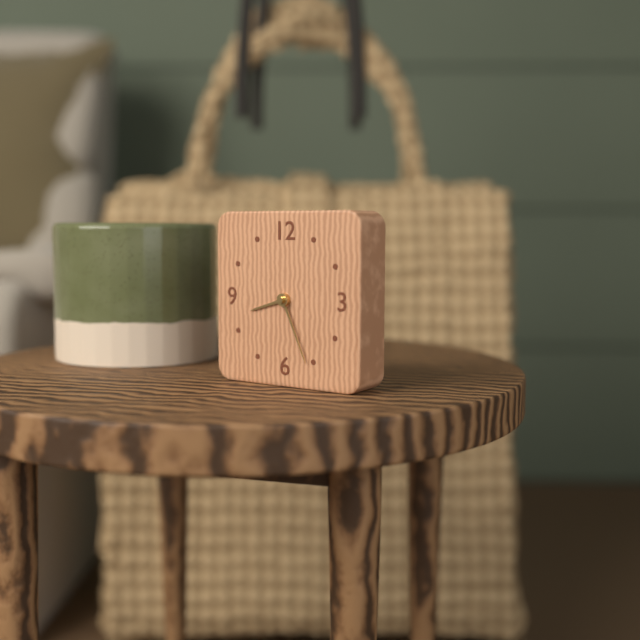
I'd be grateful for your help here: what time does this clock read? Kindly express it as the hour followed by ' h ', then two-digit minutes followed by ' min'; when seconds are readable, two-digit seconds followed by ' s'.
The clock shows 8 h 26 min
